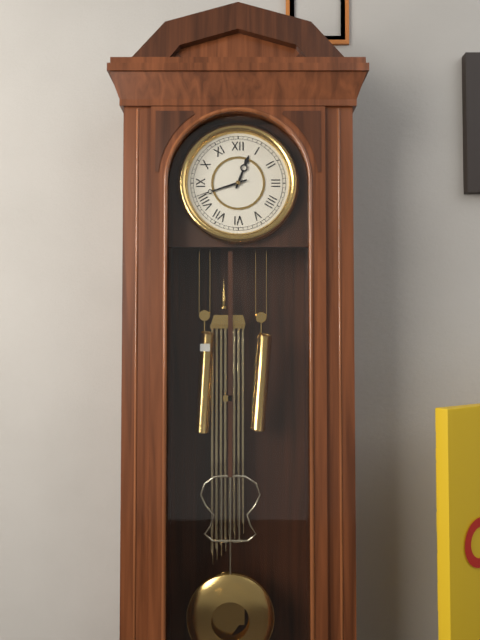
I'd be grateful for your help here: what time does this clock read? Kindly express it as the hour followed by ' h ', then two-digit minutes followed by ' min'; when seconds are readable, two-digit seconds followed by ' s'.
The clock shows 12 h 42 min
